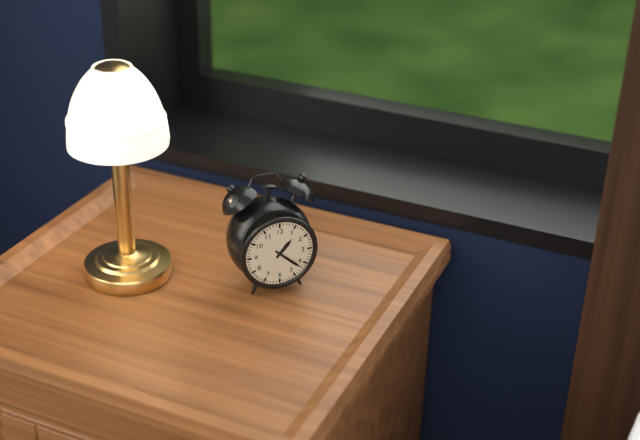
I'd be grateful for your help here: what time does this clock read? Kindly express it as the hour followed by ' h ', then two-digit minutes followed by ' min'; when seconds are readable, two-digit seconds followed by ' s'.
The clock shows 1 h 22 min
